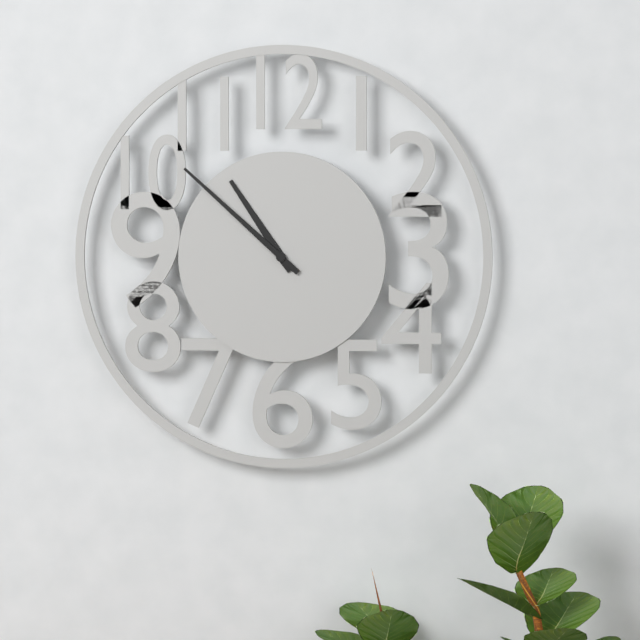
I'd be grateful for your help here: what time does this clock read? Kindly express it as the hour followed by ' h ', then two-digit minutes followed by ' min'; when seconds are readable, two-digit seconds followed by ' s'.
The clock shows 10 h 52 min
